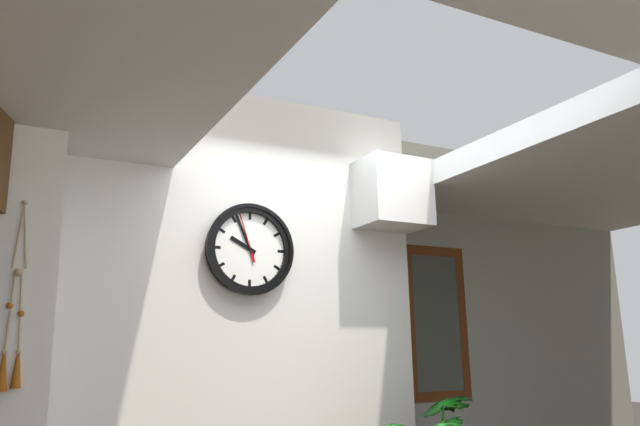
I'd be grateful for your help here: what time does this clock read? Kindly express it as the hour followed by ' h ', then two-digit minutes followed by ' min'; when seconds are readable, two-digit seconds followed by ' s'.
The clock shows 9 h 56 min
